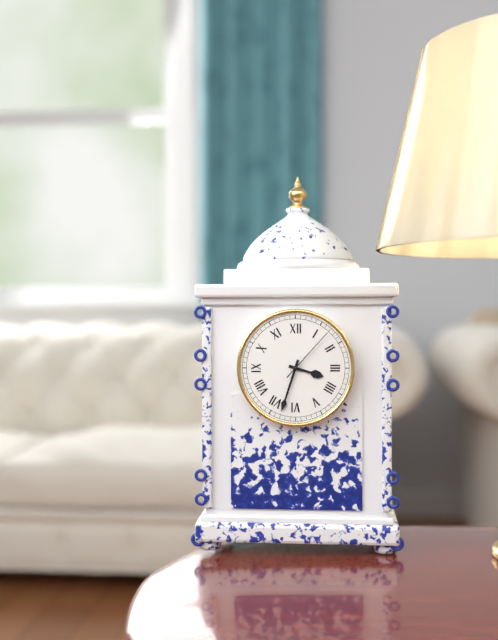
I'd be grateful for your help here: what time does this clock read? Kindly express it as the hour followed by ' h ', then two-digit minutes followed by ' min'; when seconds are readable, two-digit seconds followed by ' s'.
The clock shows 3 h 33 min 07 s
